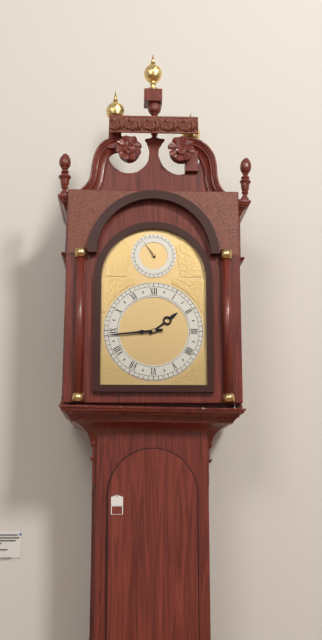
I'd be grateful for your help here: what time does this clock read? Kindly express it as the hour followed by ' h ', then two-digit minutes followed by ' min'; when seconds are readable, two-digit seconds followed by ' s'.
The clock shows 1 h 44 min
